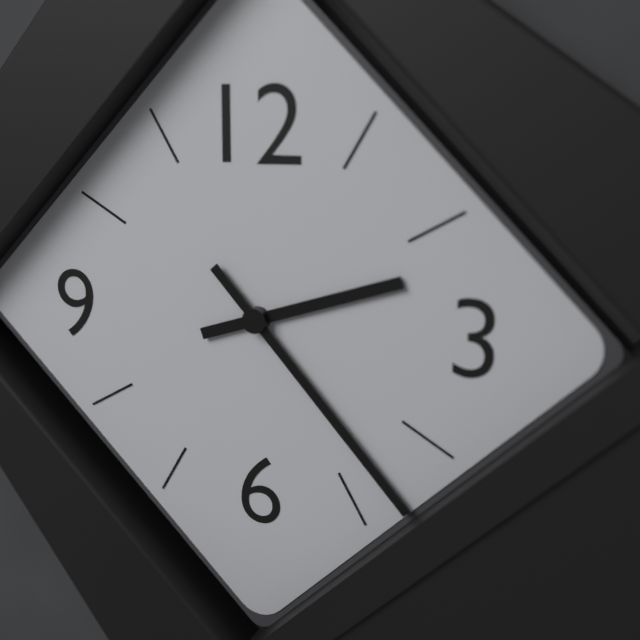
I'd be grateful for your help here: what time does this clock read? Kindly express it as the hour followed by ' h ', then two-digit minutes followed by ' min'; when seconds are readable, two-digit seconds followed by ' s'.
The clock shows 2 h 23 min
